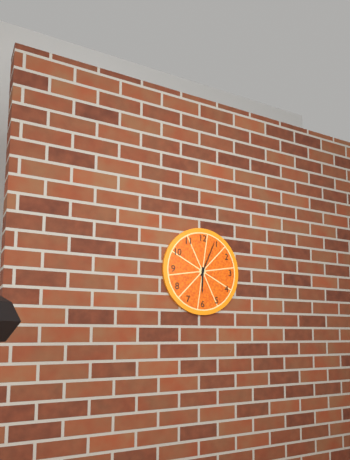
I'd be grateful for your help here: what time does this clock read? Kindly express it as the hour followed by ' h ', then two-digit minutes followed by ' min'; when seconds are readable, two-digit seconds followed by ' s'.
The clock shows 6 h 04 min
